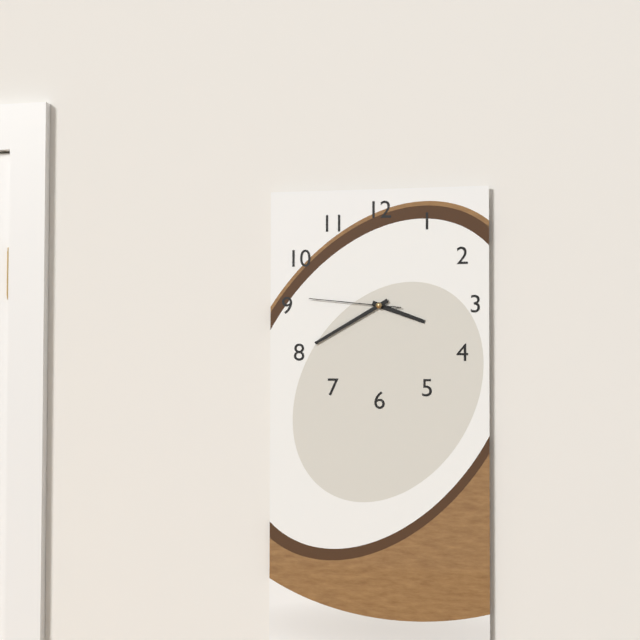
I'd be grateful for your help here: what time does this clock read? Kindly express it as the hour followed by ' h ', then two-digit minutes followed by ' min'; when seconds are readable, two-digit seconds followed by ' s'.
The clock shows 3 h 40 min 46 s
